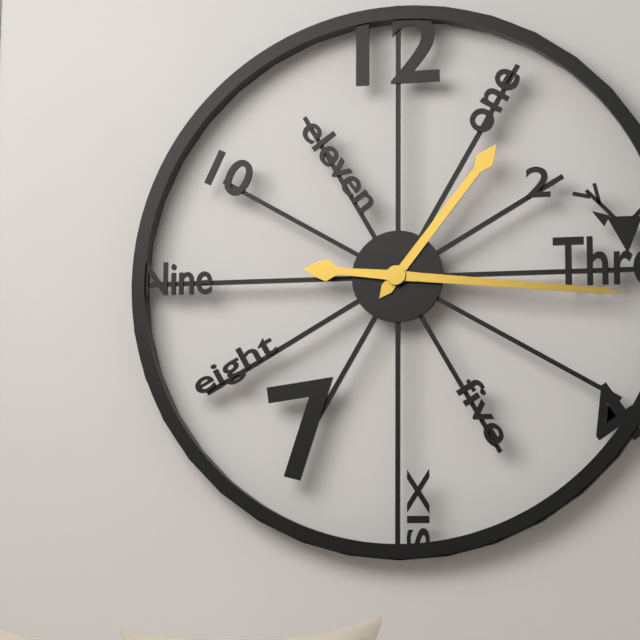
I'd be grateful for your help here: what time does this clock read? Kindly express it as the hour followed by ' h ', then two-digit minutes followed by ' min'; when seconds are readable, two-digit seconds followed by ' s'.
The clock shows 1 h 16 min
